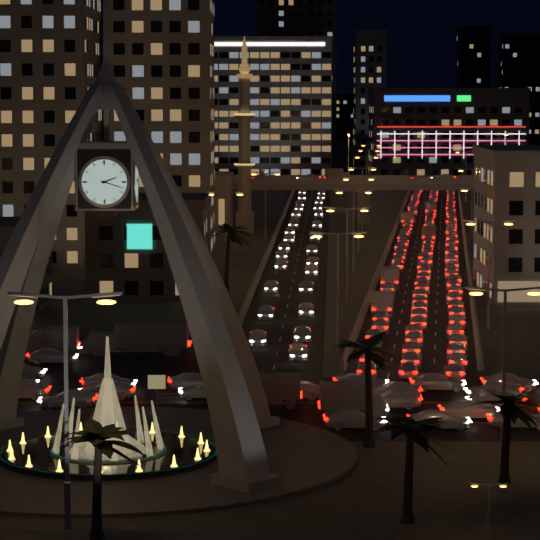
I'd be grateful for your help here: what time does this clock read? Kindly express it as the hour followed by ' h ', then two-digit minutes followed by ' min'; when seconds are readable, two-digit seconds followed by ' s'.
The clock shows 2 h 18 min
